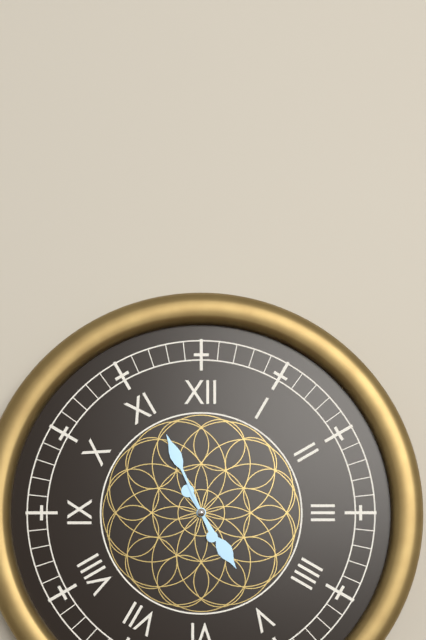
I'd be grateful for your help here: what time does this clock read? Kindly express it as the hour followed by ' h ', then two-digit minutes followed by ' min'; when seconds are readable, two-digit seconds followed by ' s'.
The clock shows 4 h 56 min
